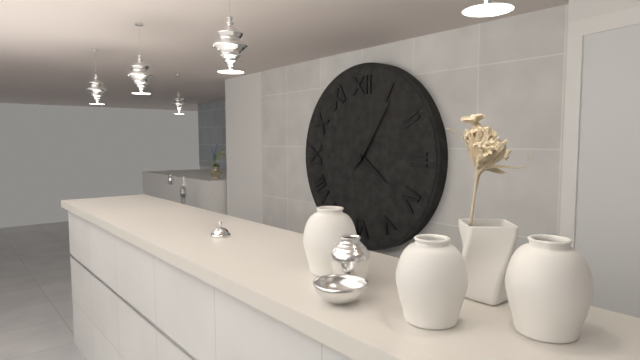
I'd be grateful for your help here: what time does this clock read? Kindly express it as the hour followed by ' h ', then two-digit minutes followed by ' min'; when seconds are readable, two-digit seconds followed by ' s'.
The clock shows 4 h 06 min
